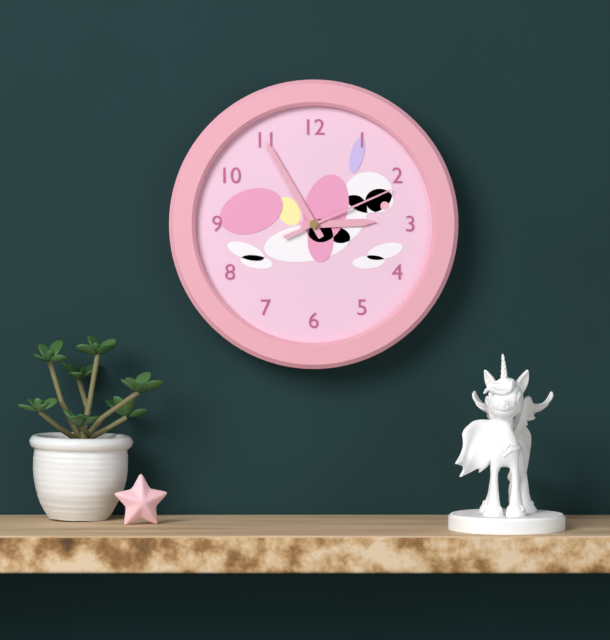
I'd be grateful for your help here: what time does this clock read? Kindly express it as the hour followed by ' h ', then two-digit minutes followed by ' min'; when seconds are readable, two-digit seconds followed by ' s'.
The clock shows 2 h 55 min 11 s
